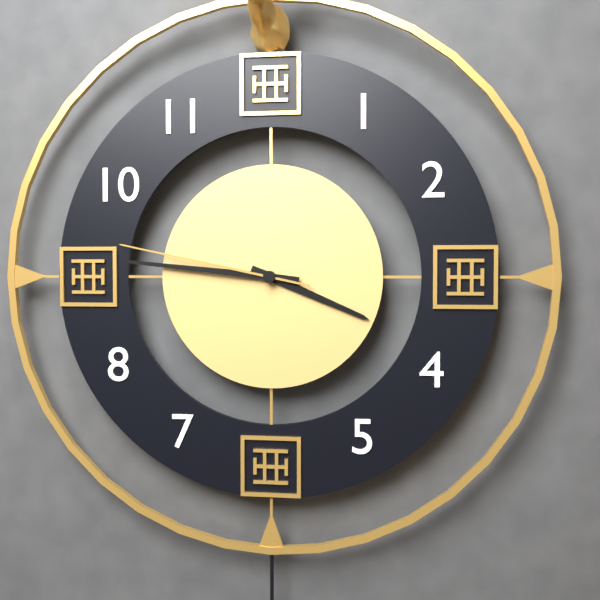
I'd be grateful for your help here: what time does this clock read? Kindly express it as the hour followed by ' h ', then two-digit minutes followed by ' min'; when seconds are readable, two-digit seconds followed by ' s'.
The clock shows 3 h 46 min 47 s
